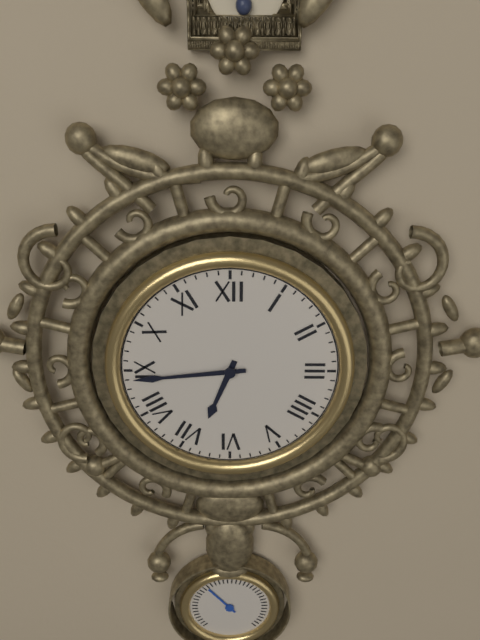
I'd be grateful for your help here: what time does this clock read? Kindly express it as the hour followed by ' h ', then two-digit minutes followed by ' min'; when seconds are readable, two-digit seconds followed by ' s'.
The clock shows 6 h 44 min
